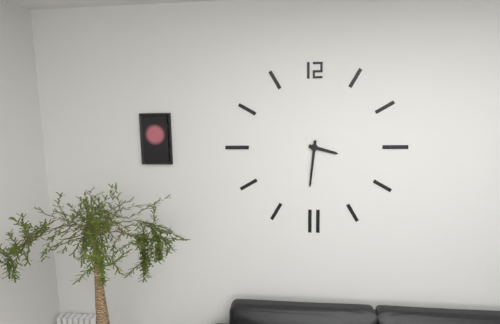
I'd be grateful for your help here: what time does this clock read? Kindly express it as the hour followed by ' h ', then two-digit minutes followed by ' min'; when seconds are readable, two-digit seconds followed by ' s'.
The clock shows 3 h 31 min
